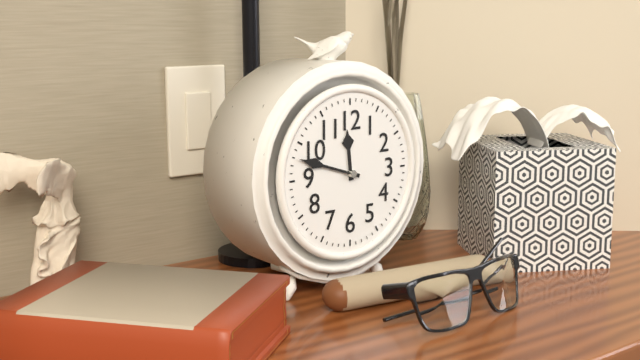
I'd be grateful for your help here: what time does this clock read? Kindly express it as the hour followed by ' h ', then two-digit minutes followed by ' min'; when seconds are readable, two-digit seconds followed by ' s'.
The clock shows 11 h 48 min
